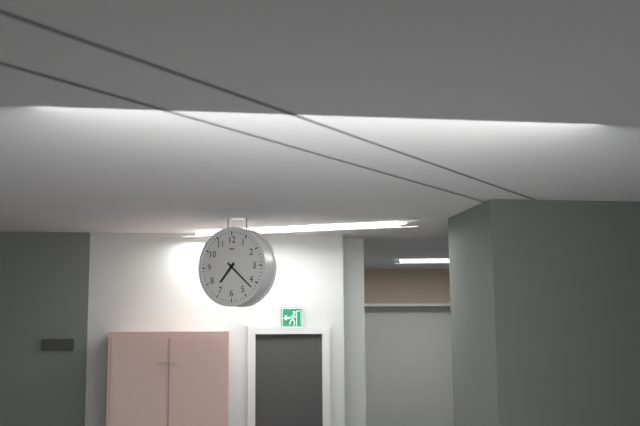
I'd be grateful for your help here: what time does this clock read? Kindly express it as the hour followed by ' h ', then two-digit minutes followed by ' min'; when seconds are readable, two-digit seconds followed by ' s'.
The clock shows 7 h 22 min
